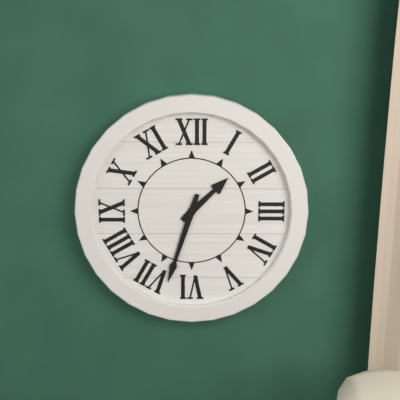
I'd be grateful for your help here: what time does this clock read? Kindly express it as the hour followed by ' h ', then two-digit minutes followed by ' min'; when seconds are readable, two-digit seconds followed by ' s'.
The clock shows 1 h 33 min
